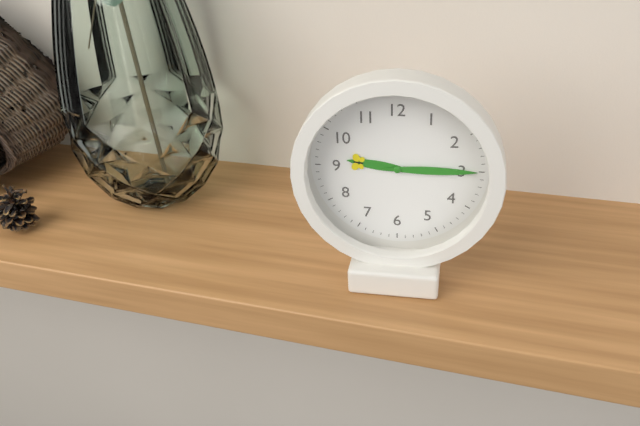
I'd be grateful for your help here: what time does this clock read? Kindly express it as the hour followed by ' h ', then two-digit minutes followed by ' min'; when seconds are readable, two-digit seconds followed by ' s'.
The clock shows 9 h 15 min
